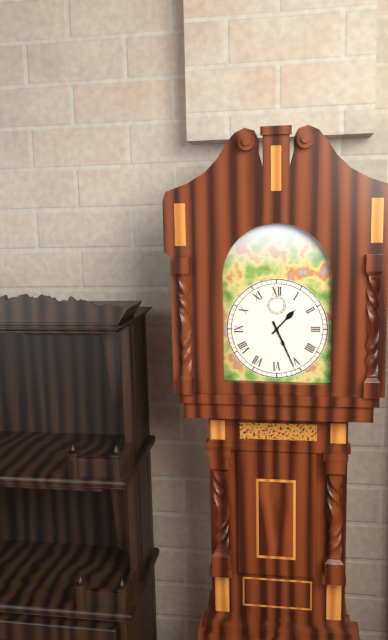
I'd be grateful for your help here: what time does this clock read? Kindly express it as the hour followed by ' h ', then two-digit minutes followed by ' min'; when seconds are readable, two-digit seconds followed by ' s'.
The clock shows 1 h 26 min
